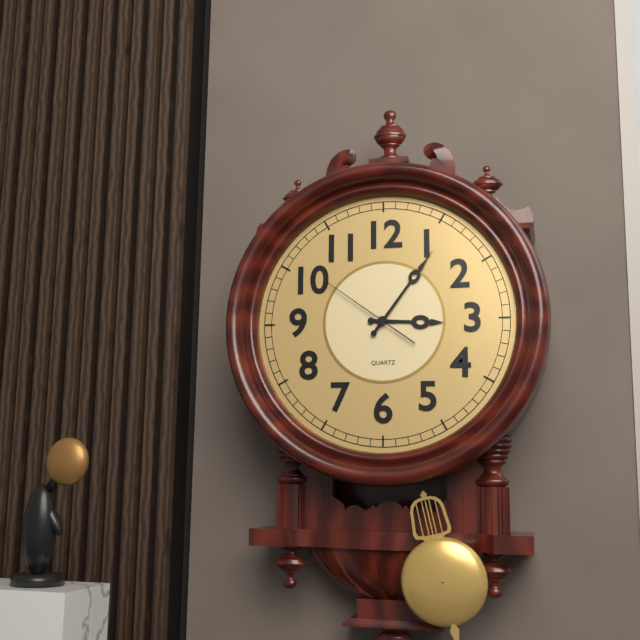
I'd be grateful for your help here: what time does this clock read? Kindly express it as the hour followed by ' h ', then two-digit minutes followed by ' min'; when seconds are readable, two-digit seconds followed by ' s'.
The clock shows 3 h 06 min 51 s
